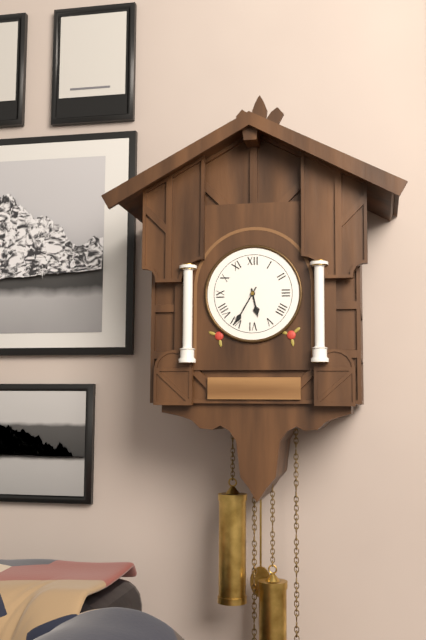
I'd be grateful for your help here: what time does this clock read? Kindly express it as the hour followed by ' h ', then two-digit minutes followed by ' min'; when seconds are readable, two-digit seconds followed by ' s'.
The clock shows 5 h 35 min
